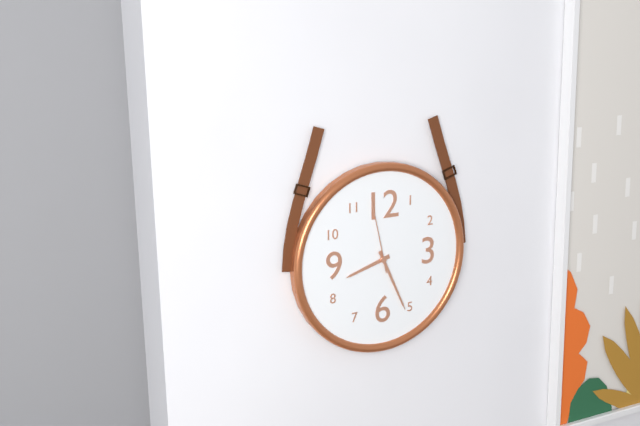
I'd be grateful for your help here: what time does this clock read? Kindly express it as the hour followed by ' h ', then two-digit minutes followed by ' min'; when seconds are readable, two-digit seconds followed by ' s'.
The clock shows 8 h 26 min 58 s
